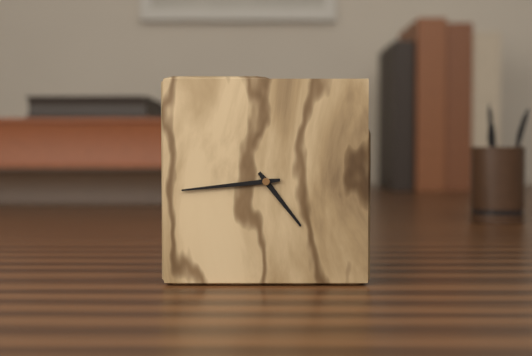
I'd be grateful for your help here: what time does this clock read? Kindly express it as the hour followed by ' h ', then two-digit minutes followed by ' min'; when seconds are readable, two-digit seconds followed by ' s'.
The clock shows 4 h 44 min
